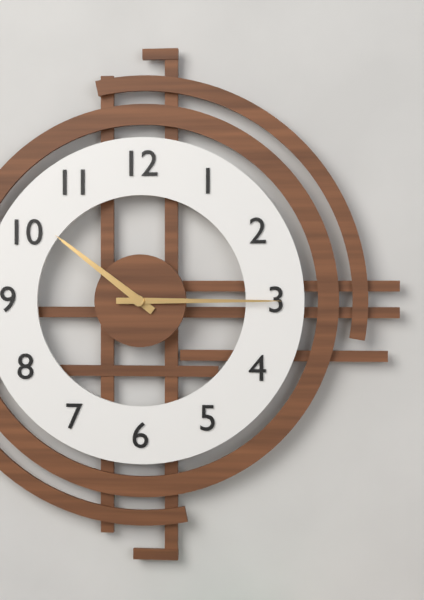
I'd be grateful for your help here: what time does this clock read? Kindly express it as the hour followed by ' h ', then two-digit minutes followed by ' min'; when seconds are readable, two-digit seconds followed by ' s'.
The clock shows 10 h 15 min
